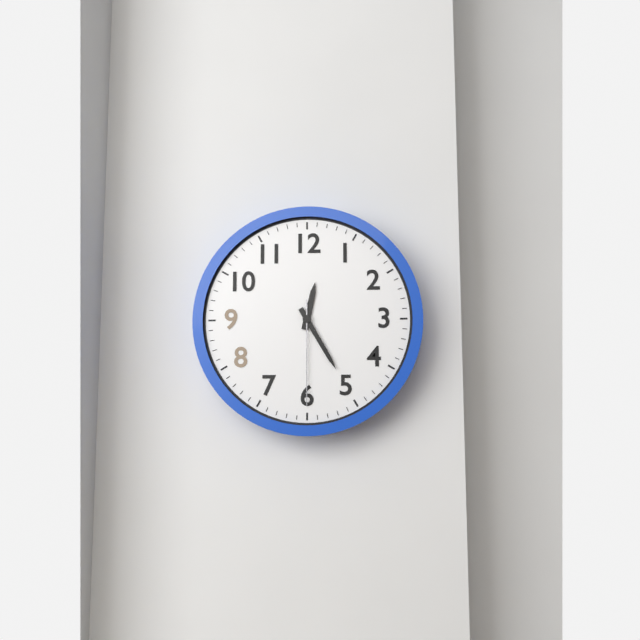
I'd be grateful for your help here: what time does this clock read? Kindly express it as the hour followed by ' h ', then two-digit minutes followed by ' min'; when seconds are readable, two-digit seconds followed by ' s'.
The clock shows 12 h 25 min 30 s
